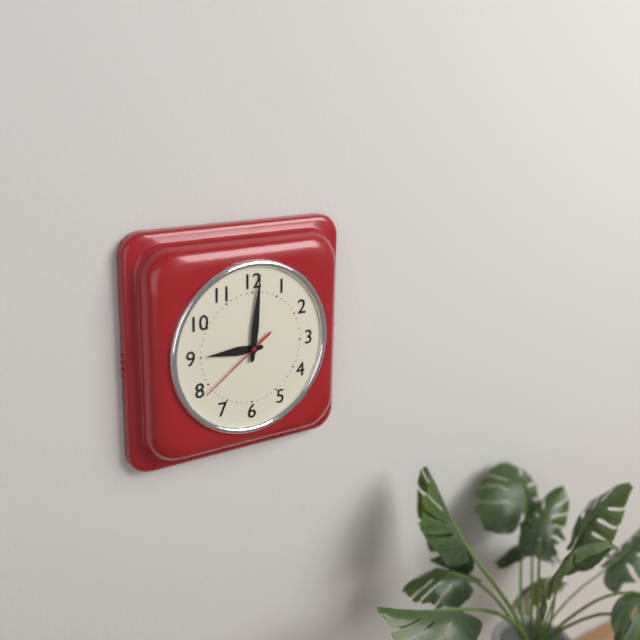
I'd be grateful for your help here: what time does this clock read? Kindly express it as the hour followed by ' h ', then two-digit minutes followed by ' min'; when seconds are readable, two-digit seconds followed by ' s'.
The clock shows 9 h 01 min 39 s
